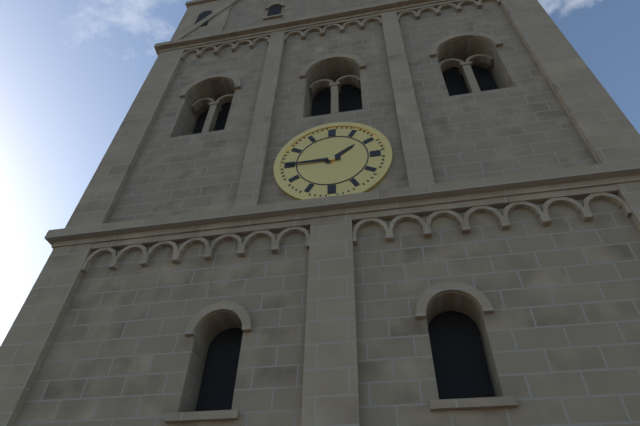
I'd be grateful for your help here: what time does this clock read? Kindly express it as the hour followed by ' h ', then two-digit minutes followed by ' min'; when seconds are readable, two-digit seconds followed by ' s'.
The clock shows 1 h 45 min
